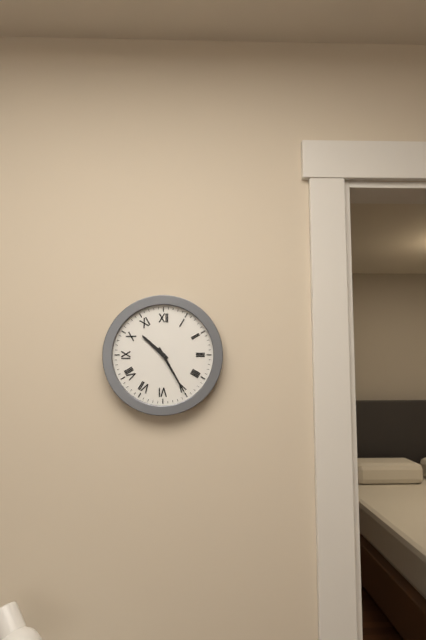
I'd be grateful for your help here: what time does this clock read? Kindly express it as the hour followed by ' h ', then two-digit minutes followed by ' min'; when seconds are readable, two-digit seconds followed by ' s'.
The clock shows 10 h 25 min
